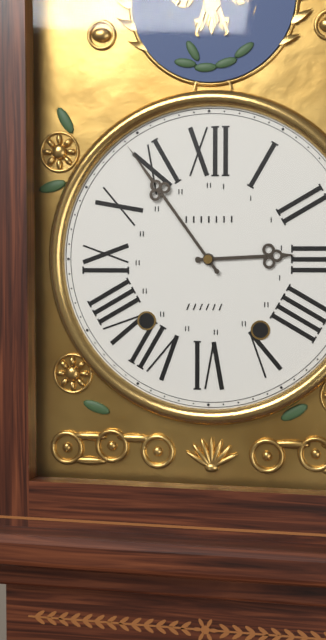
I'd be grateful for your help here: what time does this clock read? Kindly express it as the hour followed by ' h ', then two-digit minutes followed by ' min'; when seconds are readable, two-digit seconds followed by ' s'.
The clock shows 2 h 54 min
